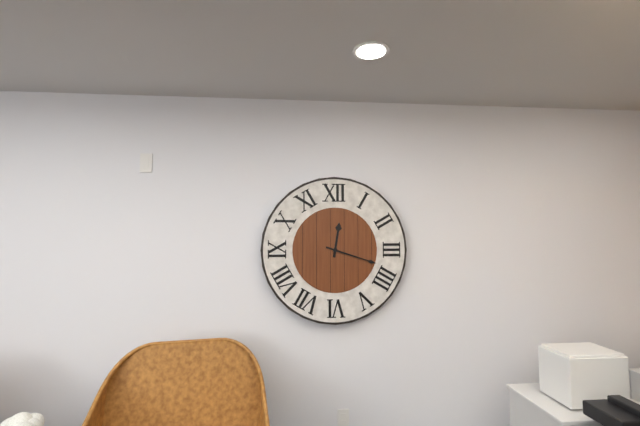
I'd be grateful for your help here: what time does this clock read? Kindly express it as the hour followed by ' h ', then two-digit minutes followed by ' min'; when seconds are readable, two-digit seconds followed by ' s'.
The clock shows 12 h 18 min
